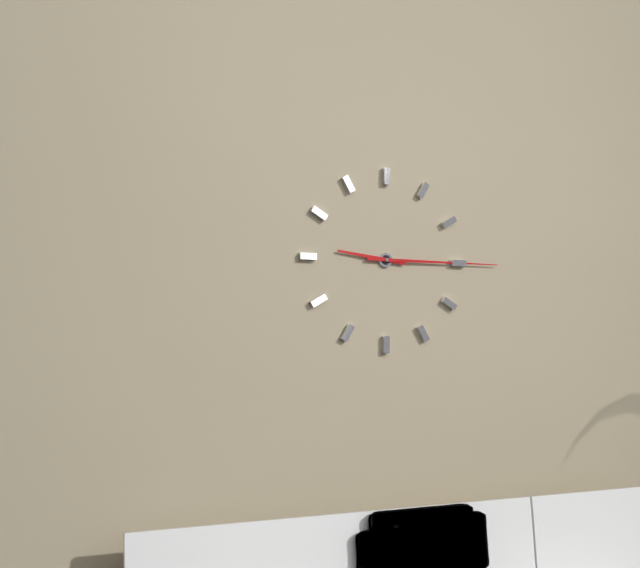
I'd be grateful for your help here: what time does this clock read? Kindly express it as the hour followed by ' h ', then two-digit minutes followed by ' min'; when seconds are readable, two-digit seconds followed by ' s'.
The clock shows 9 h 15 min
